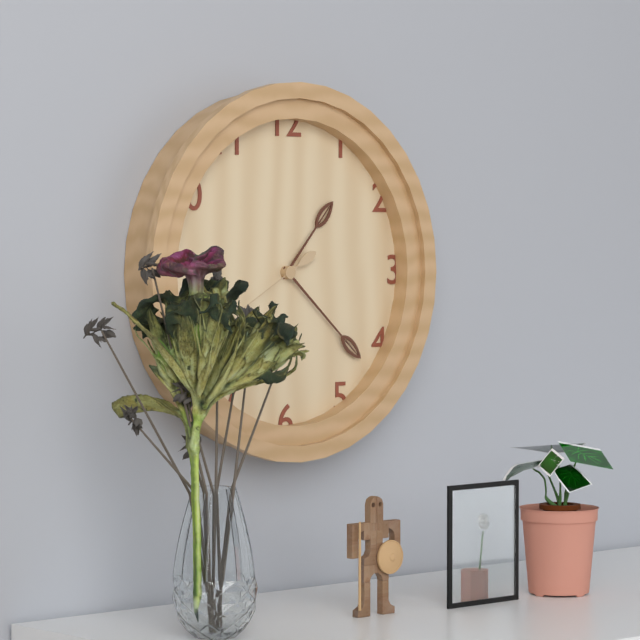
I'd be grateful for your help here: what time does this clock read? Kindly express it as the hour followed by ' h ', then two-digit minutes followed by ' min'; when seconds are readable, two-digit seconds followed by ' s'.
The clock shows 1 h 22 min
